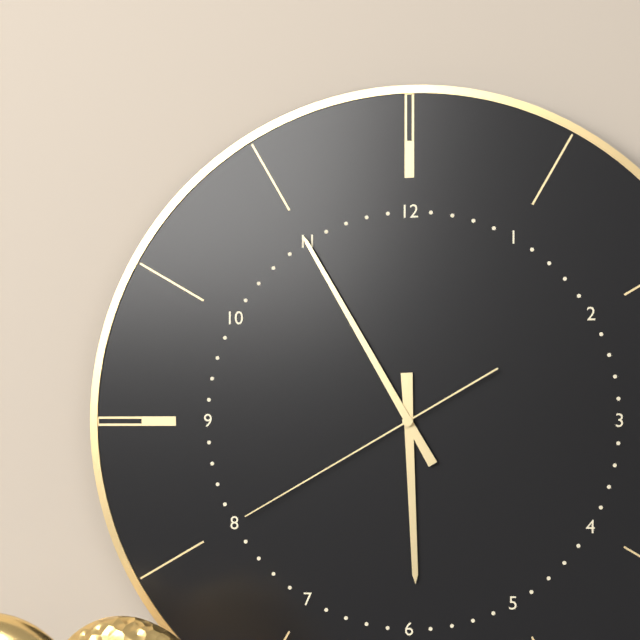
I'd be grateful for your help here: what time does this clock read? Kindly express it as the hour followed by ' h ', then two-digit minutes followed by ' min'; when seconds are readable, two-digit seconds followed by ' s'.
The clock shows 5 h 55 min 40 s
